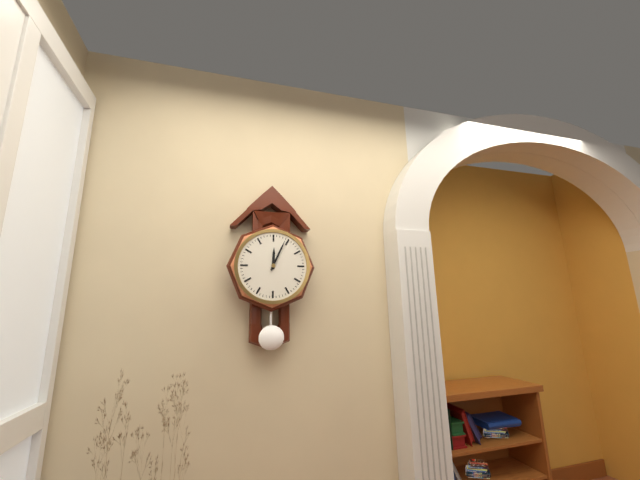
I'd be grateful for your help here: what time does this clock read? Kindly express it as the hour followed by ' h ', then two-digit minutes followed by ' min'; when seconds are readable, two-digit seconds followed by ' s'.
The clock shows 12 h 04 min
